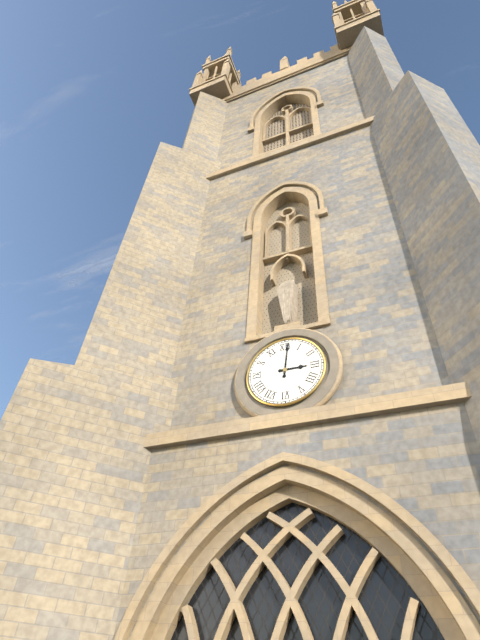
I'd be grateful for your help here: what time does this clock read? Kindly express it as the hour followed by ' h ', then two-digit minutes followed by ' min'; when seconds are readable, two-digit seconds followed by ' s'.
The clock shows 3 h 01 min
